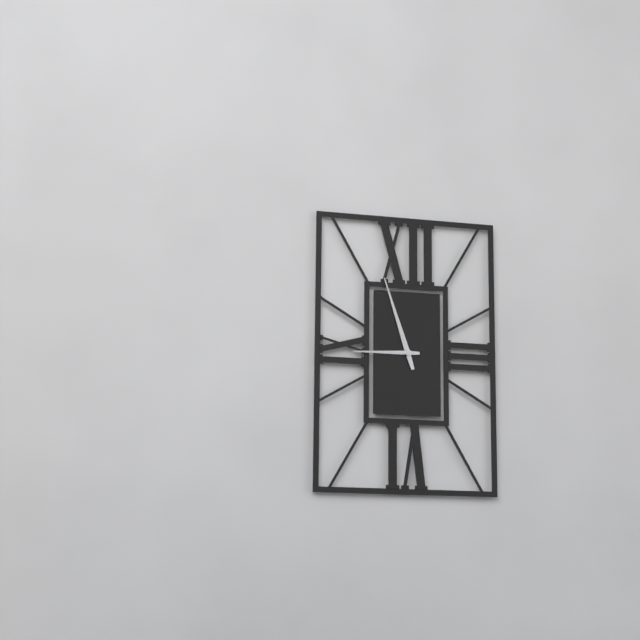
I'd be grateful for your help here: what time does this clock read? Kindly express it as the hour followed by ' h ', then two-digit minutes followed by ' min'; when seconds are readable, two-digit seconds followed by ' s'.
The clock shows 8 h 57 min
